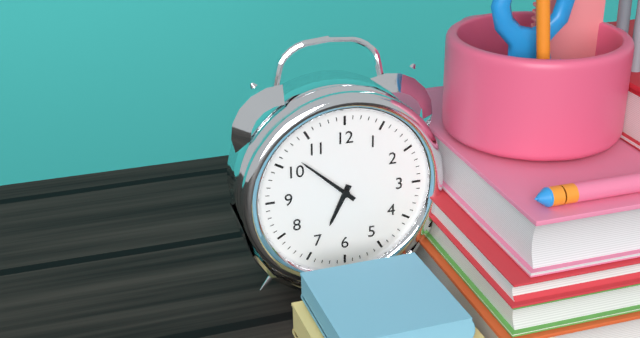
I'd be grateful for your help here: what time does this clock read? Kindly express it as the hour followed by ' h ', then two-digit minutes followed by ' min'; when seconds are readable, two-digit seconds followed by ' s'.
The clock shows 6 h 52 min
